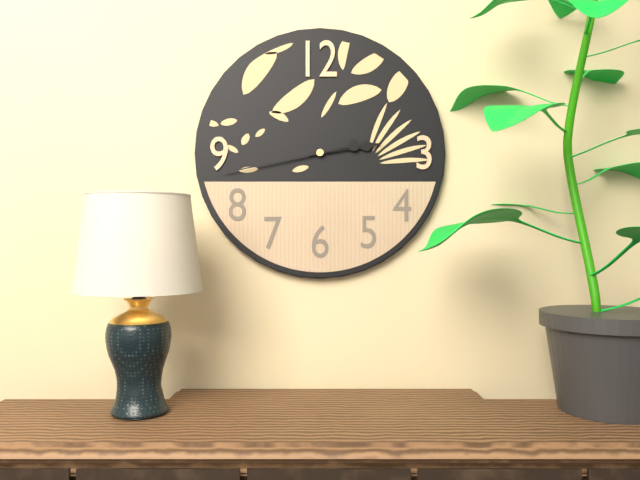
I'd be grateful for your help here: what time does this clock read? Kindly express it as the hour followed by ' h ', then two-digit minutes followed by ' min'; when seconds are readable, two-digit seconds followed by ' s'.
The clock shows 2 h 43 min
